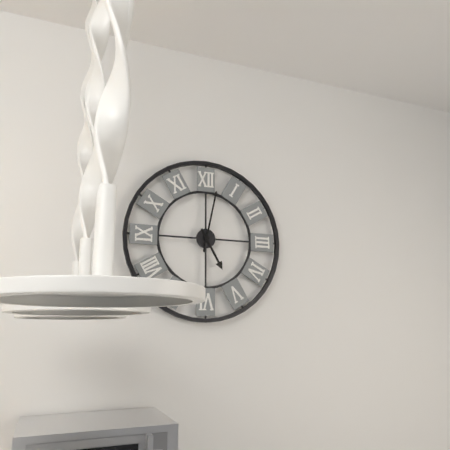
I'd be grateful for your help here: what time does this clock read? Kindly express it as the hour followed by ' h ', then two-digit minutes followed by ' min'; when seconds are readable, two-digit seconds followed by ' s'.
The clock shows 5 h 02 min
